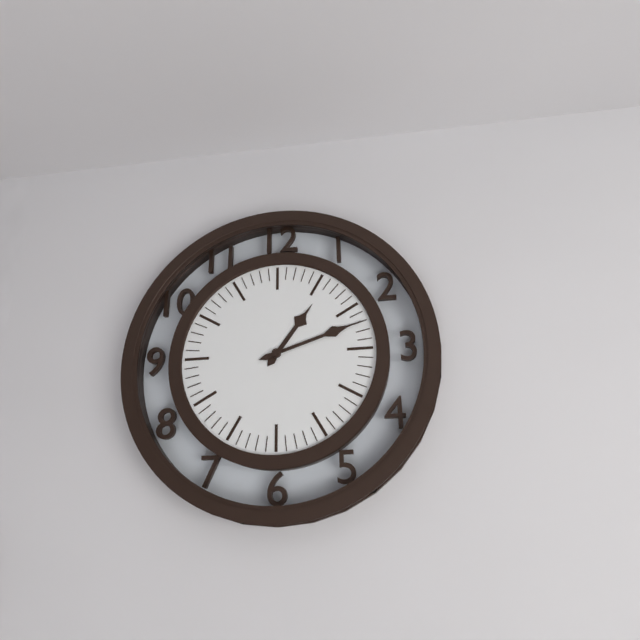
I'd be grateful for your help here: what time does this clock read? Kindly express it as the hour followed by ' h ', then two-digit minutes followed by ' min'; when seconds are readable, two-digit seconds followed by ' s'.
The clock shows 1 h 12 min
